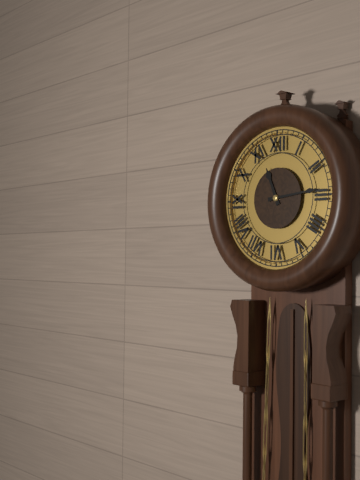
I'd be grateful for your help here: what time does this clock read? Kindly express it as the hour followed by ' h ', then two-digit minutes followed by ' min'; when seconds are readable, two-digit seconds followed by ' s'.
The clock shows 11 h 14 min
